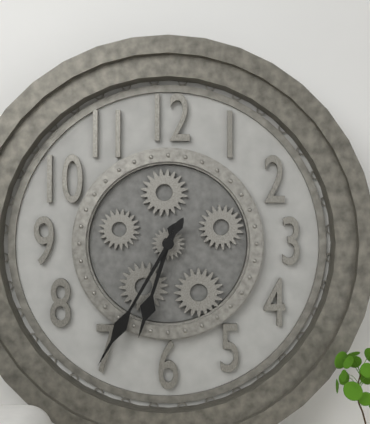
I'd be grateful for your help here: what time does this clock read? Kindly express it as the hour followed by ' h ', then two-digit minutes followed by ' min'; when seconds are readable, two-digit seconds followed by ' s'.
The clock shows 6 h 35 min
